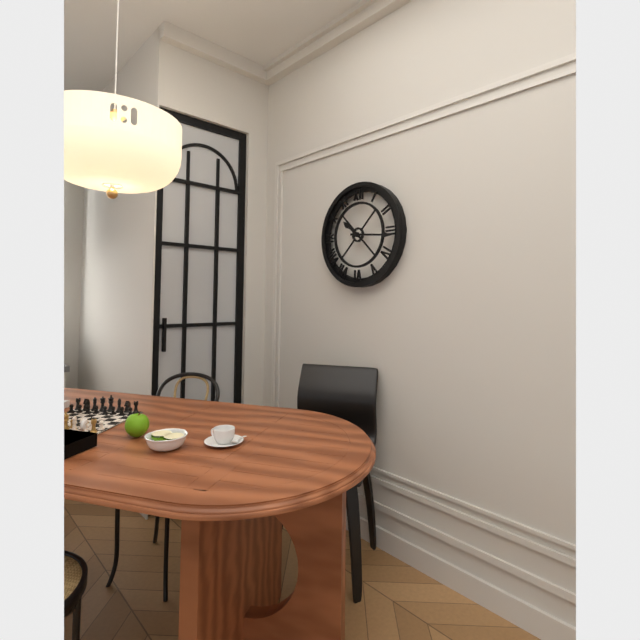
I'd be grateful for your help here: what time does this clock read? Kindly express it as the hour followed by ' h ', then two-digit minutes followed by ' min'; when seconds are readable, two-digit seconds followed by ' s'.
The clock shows 10 h 16 min
